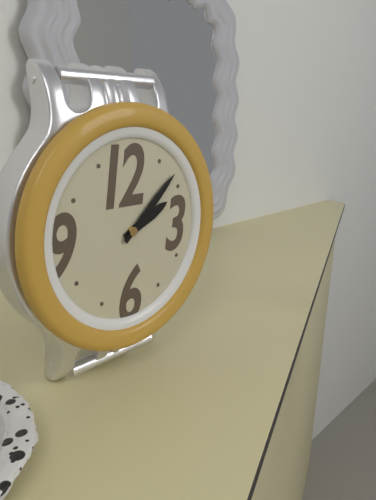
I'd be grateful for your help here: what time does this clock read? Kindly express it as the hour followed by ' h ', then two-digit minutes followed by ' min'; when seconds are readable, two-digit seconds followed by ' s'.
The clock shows 2 h 08 min
